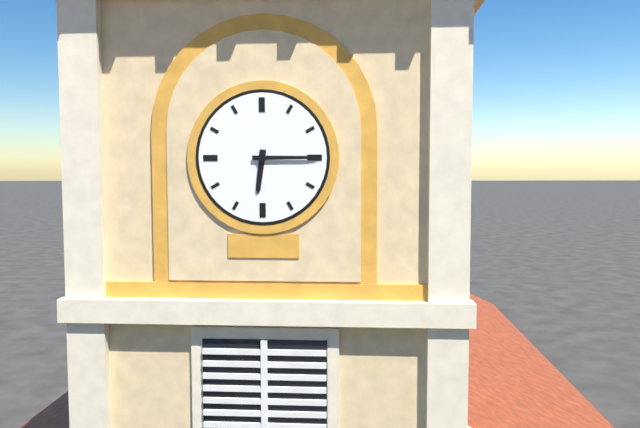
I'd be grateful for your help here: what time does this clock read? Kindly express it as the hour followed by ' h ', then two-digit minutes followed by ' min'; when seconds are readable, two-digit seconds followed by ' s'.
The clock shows 6 h 15 min
